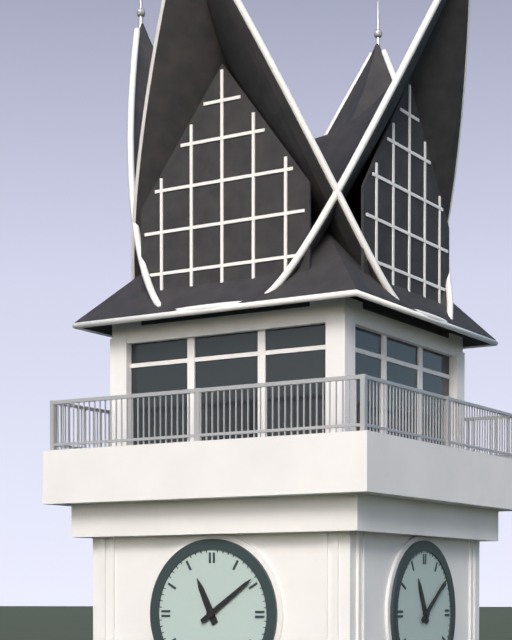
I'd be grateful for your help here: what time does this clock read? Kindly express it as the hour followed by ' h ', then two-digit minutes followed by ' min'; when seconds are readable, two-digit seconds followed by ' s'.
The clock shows 11 h 09 min
